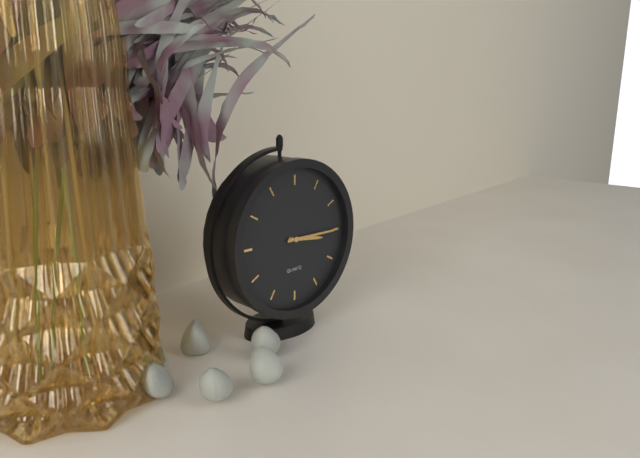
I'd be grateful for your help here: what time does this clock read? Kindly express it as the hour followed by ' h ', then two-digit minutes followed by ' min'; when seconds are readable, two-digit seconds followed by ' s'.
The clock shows 3 h 15 min
